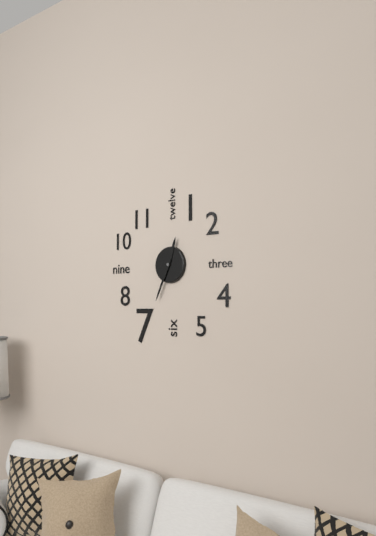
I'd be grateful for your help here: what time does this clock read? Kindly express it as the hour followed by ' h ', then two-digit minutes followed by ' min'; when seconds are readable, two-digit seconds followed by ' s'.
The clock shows 12 h 34 min
